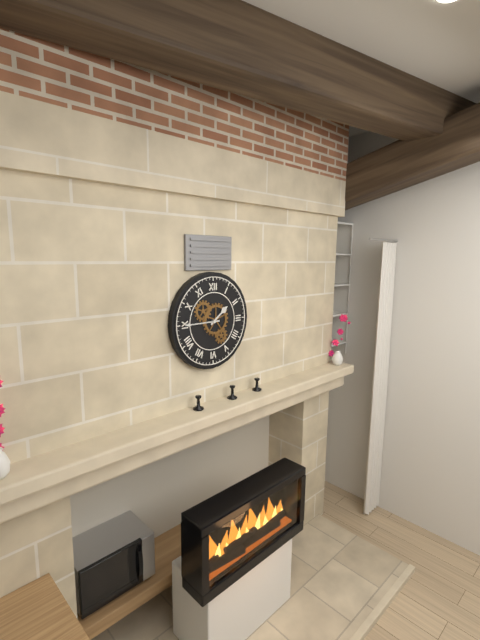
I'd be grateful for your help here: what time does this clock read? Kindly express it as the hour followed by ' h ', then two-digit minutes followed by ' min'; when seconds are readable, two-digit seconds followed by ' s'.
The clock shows 1 h 45 min
